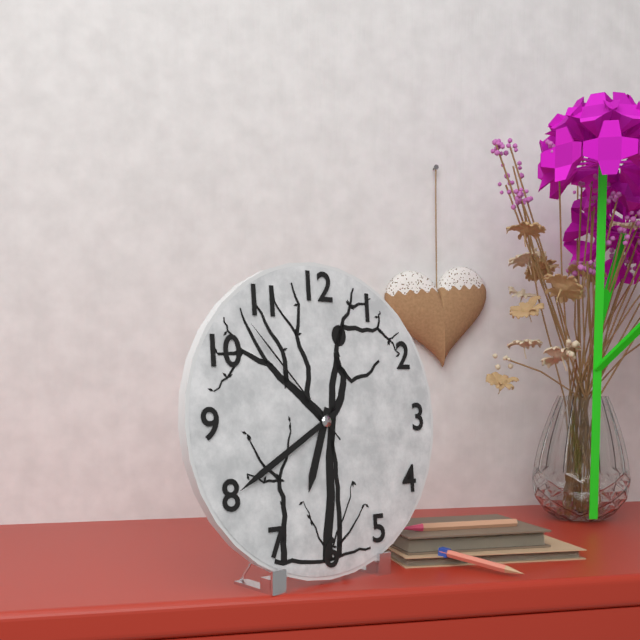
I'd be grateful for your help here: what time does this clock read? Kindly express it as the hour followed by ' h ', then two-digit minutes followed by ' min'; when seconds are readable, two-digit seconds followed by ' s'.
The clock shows 6 h 40 min 53 s
